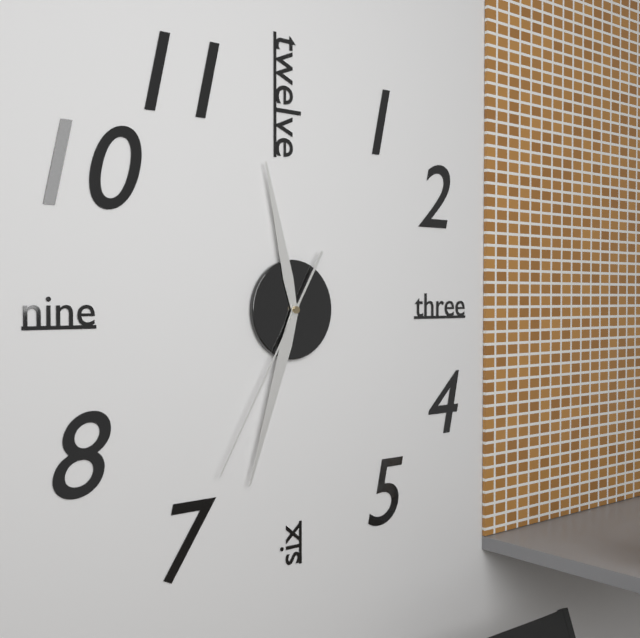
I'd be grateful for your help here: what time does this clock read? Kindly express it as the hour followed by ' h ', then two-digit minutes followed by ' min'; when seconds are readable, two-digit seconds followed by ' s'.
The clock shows 11 h 33 min 35 s
